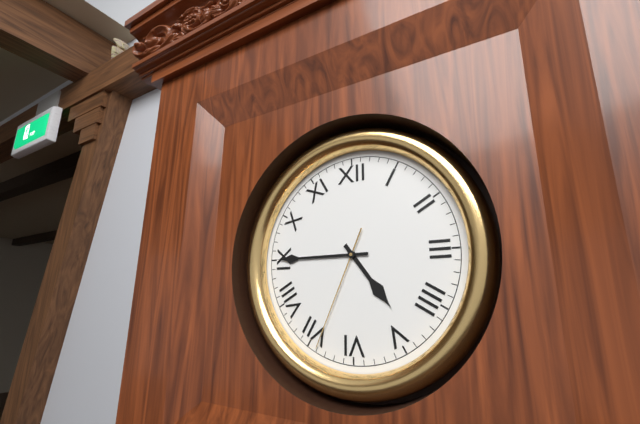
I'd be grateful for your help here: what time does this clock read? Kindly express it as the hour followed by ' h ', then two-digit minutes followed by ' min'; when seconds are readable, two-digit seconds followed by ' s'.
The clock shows 4 h 45 min 34 s
